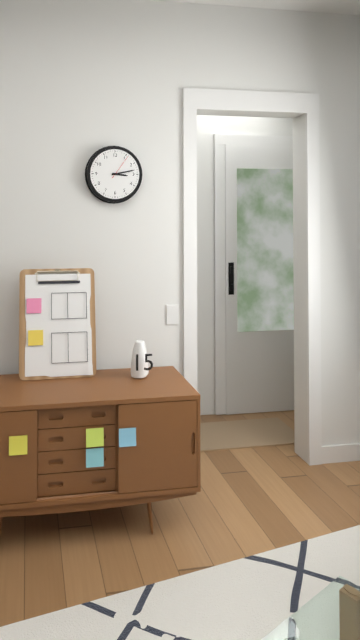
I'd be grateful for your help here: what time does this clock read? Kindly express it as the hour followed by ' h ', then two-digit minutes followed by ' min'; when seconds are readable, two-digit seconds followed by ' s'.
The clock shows 3 h 13 min
